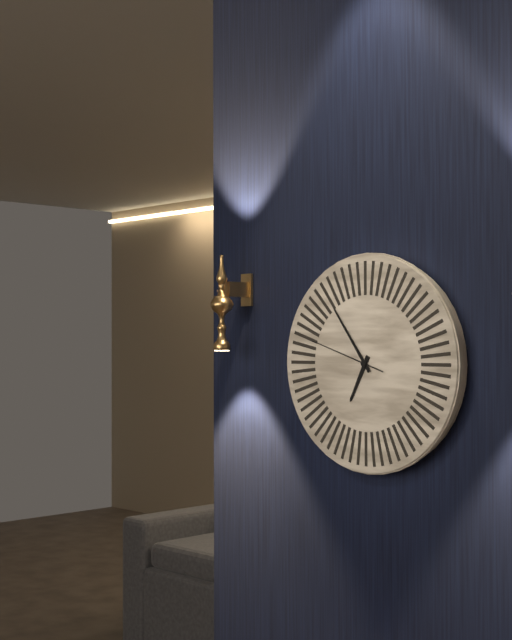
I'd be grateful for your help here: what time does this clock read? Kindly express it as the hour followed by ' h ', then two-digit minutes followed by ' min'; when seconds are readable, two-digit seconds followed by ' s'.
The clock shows 6 h 54 min 48 s
